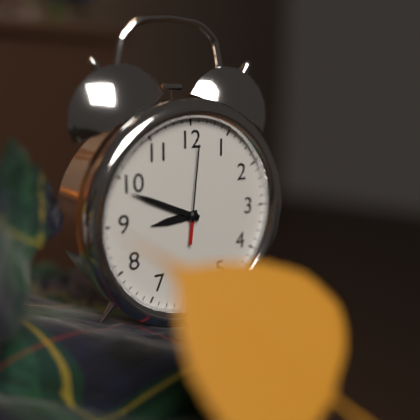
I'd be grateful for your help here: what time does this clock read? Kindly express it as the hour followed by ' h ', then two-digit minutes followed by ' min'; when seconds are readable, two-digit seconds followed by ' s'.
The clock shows 8 h 49 min 01 s
